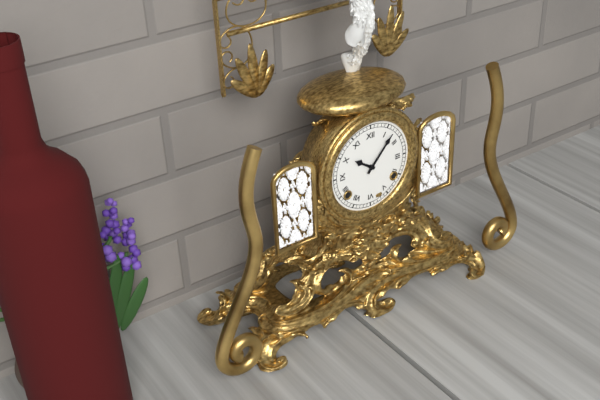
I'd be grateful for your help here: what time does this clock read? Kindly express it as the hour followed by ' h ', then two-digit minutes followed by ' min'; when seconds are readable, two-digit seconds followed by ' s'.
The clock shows 10 h 07 min
